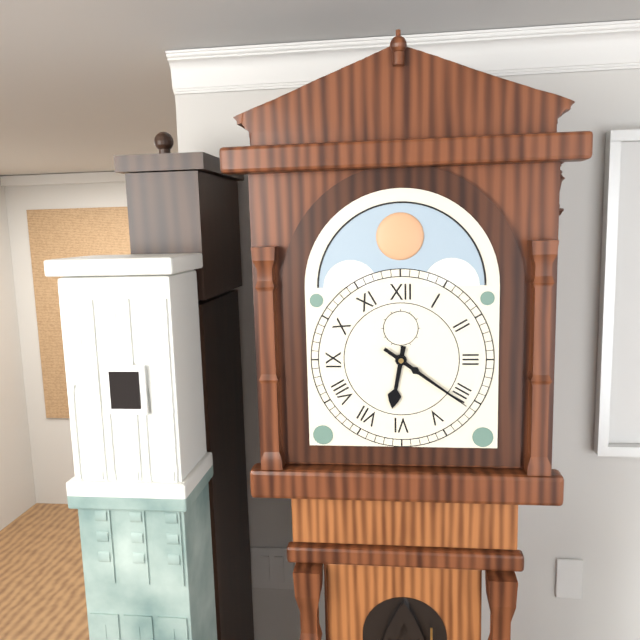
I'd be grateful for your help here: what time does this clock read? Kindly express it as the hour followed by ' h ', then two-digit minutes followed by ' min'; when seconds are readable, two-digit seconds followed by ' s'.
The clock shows 6 h 21 min
